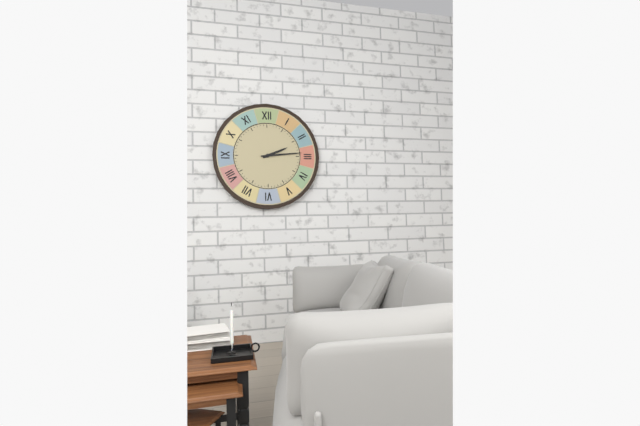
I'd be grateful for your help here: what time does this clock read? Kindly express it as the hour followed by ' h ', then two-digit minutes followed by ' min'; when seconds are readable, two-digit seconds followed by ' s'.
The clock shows 2 h 14 min
